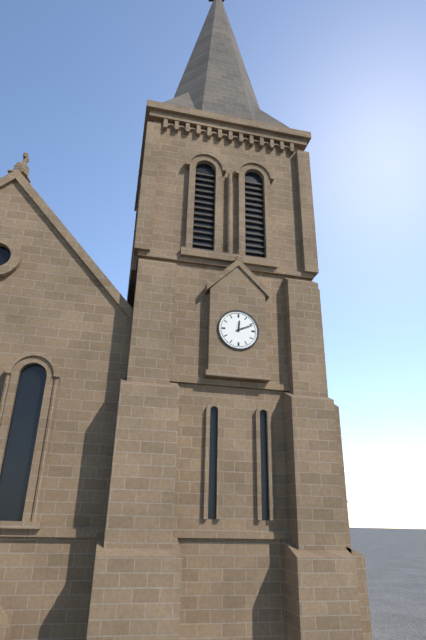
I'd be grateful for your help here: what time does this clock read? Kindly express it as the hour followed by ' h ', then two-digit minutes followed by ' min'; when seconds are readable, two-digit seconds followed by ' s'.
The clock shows 12 h 11 min
